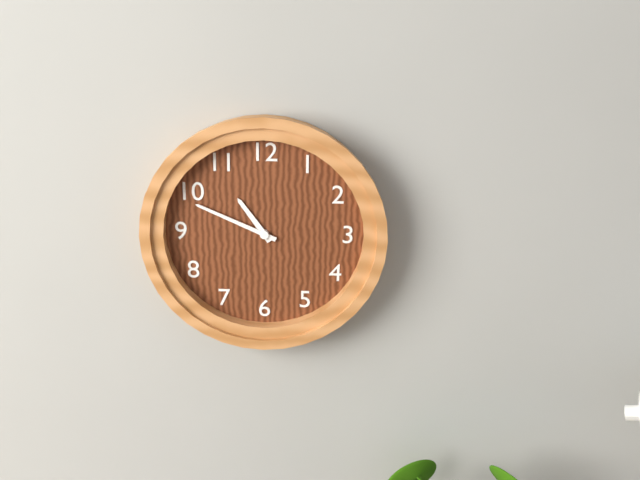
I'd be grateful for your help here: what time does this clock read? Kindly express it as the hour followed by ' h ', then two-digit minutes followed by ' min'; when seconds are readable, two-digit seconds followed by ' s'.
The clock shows 10 h 49 min
